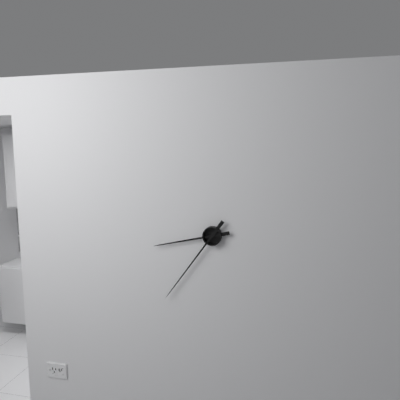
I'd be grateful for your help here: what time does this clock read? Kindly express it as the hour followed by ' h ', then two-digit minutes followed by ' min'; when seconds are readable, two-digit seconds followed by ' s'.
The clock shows 8 h 36 min
